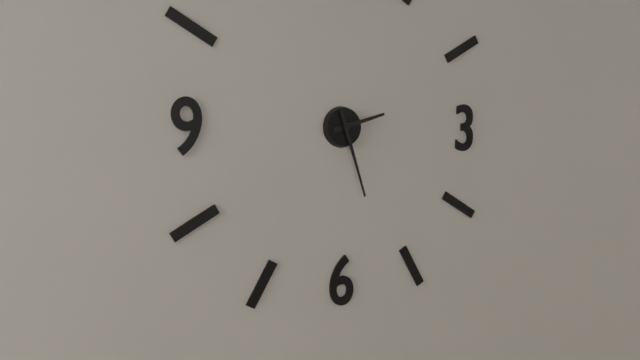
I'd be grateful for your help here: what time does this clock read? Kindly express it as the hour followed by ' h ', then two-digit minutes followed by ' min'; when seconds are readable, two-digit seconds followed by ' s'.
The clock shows 2 h 27 min
